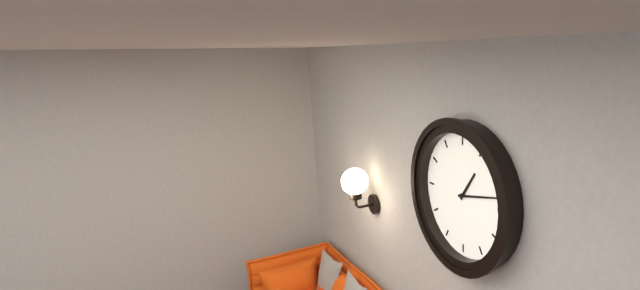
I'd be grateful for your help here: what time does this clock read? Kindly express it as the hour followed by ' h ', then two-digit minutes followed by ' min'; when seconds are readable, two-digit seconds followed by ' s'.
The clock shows 1 h 13 min
